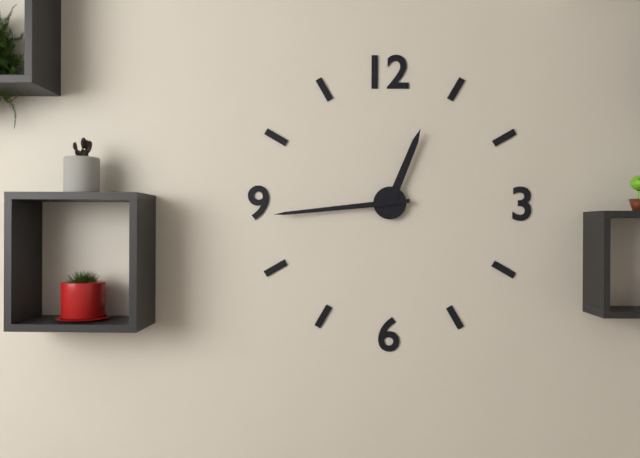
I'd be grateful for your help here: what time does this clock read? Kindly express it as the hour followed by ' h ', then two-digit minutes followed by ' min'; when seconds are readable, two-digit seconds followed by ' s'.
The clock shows 12 h 44 min
